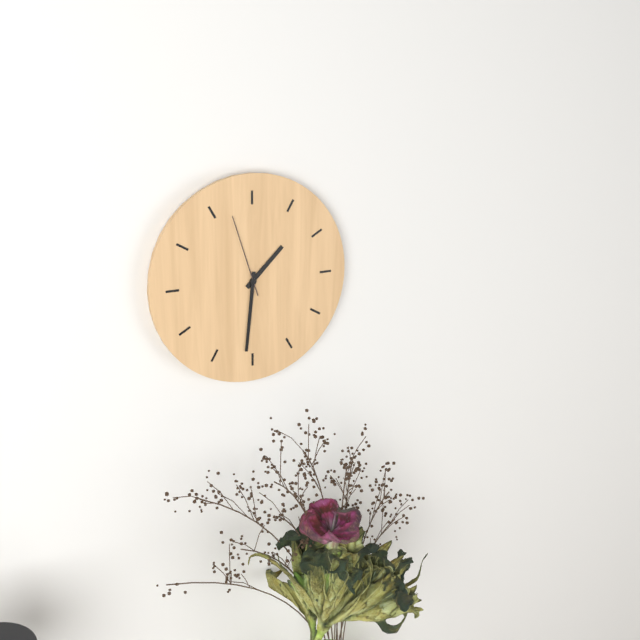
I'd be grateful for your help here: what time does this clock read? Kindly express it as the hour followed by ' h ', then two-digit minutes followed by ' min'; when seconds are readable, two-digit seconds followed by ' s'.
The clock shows 1 h 31 min 57 s
